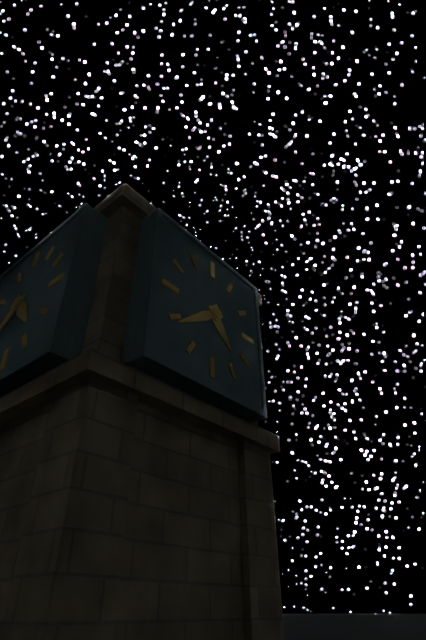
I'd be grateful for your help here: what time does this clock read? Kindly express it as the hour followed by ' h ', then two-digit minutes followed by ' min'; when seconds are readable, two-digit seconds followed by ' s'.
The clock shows 4 h 39 min
